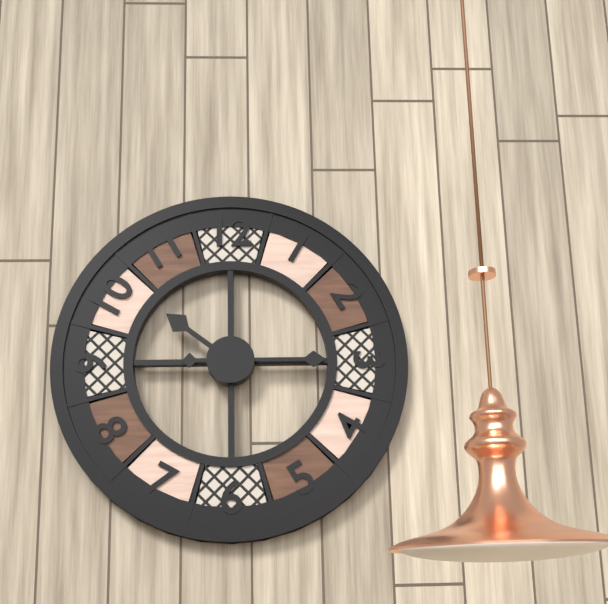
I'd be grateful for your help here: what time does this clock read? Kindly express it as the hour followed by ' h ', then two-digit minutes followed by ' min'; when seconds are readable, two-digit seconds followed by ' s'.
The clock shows 10 h 15 min
